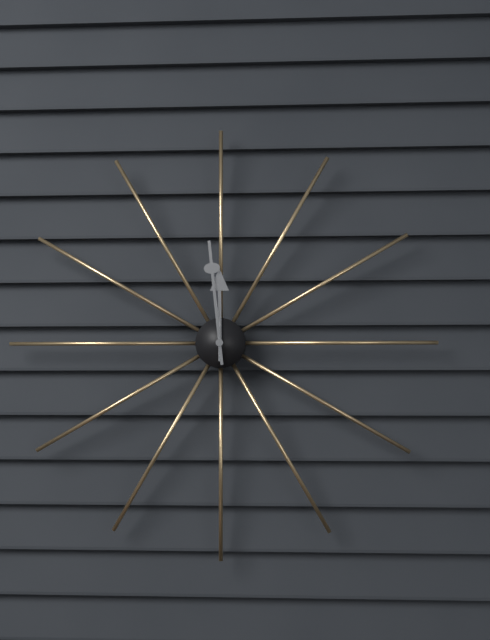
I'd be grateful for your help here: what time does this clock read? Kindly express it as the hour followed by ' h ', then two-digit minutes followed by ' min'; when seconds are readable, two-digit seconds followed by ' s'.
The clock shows 11 h 59 min
